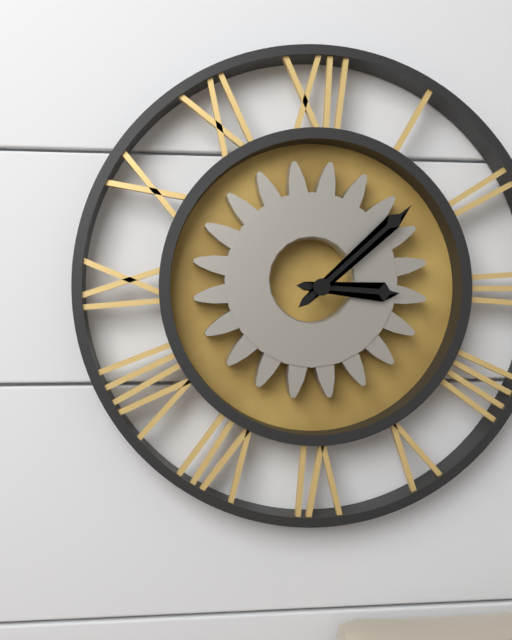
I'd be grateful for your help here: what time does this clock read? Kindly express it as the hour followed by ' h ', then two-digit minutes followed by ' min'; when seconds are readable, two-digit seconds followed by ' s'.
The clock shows 3 h 08 min
